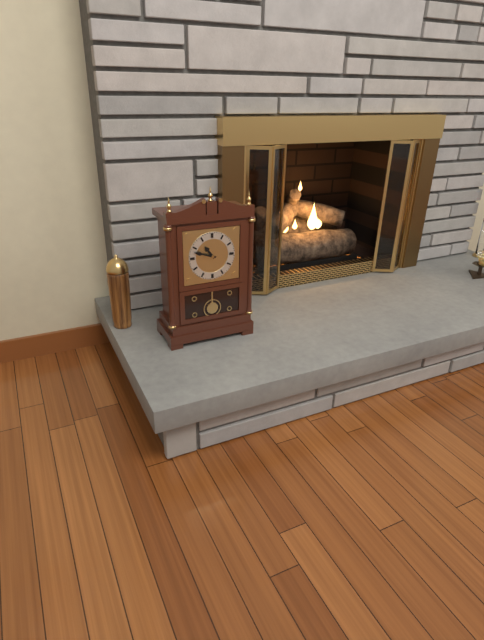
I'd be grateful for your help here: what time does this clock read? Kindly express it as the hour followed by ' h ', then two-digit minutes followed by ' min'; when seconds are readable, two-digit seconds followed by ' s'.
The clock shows 10 h 48 min
